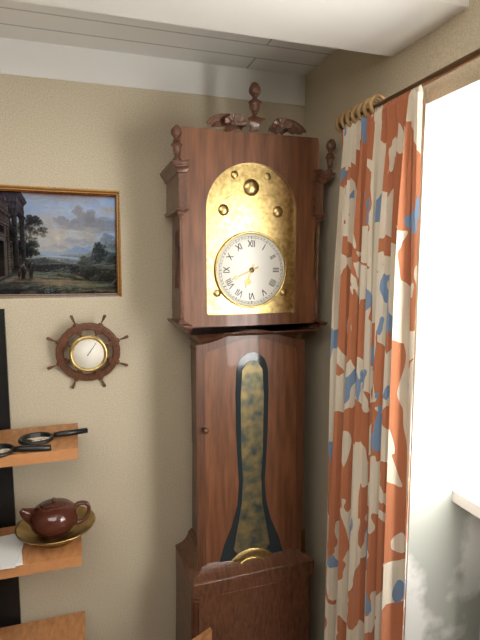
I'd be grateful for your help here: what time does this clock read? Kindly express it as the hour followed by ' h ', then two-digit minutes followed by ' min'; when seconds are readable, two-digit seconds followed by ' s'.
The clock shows 6 h 41 min
